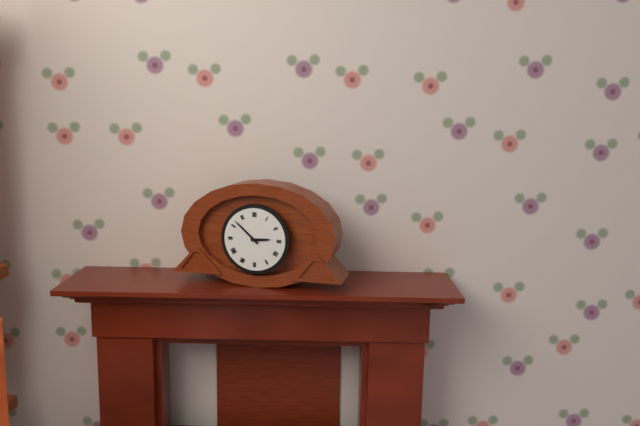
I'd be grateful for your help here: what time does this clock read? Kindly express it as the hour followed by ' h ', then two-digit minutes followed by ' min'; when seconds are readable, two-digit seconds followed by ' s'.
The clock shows 2 h 52 min
